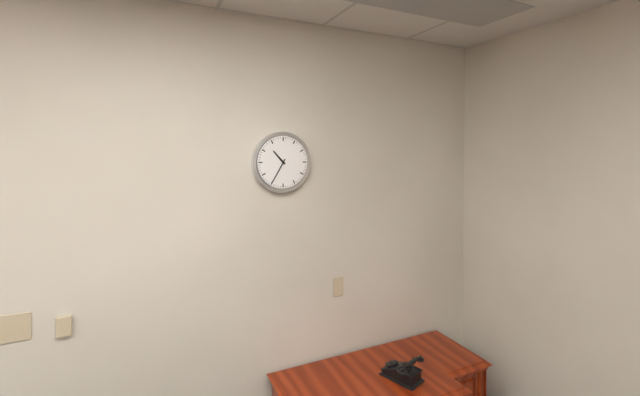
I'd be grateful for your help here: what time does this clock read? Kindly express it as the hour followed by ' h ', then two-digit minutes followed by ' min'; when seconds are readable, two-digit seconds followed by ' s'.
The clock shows 10 h 35 min
